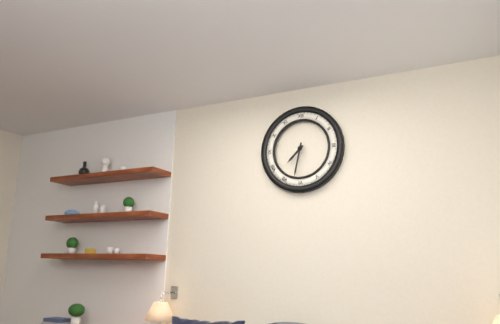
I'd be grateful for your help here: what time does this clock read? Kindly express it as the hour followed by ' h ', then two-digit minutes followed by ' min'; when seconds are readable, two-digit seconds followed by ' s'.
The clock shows 7 h 32 min
